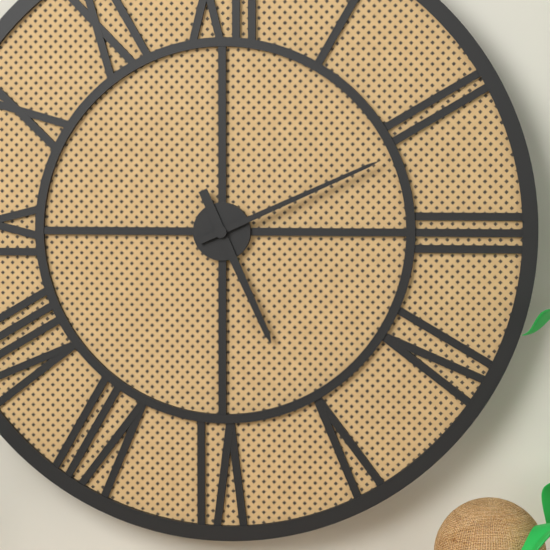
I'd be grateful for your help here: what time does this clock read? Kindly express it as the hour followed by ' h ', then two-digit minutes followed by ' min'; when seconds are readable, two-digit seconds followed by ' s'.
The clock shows 5 h 11 min
